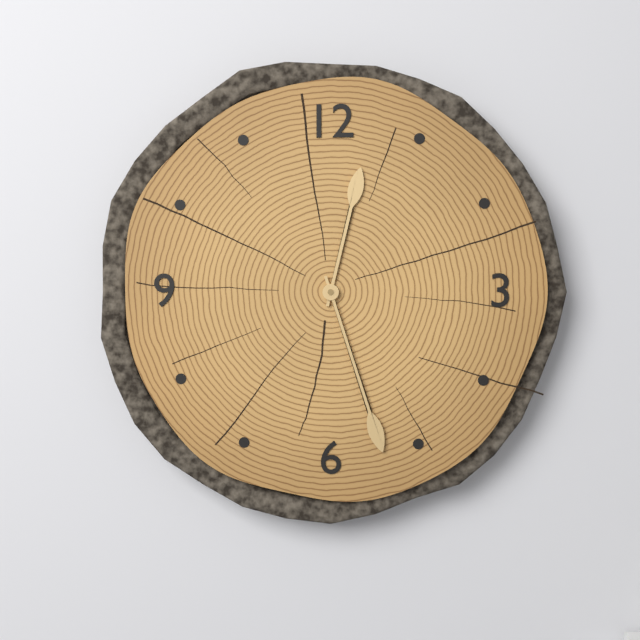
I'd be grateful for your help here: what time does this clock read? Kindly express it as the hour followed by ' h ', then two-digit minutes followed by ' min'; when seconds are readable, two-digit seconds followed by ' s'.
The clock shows 12 h 27 min
